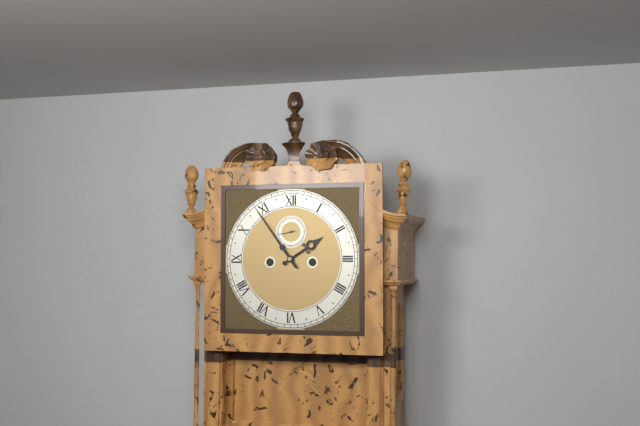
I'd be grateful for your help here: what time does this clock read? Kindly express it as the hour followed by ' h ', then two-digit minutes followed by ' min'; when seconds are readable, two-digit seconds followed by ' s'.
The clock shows 1 h 54 min
